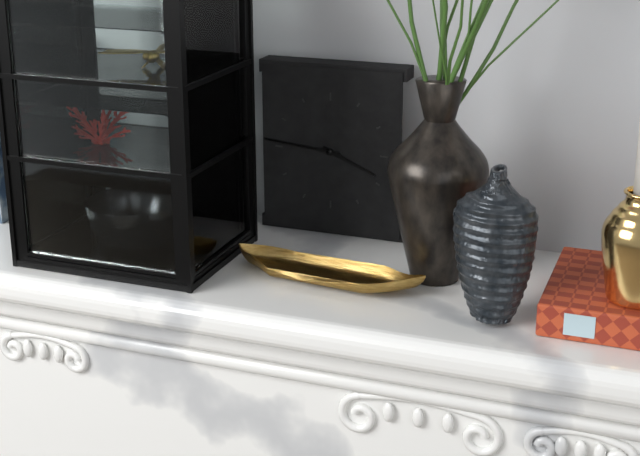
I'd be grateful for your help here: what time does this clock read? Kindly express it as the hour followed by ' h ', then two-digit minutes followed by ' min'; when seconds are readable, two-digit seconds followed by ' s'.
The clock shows 3 h 46 min
